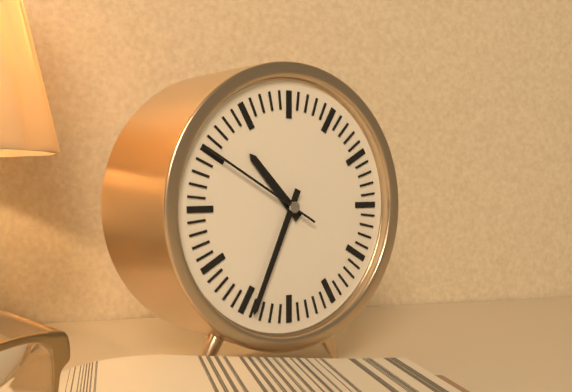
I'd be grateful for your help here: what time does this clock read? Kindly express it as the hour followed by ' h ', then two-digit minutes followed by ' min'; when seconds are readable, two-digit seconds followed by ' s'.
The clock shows 10 h 34 min 50 s
